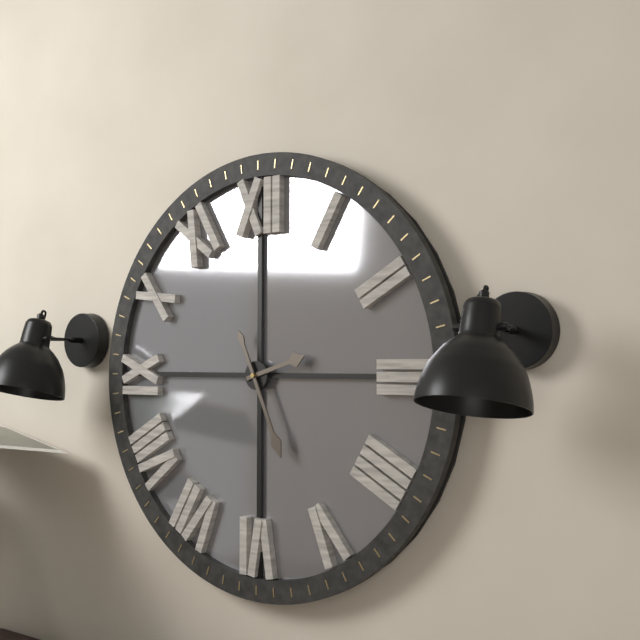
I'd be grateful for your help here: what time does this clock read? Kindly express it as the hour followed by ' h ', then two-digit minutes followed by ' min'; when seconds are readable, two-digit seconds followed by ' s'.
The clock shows 2 h 26 min
